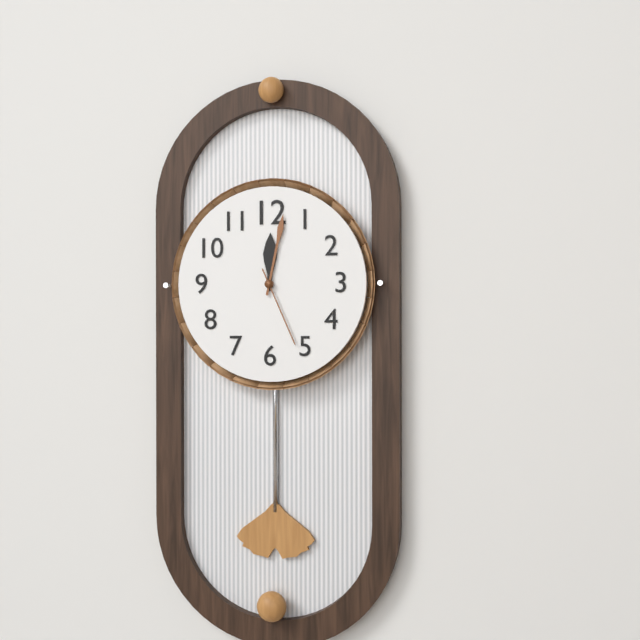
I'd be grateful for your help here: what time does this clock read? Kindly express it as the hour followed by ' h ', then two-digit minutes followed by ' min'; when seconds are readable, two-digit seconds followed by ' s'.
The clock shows 12 h 02 min 26 s
